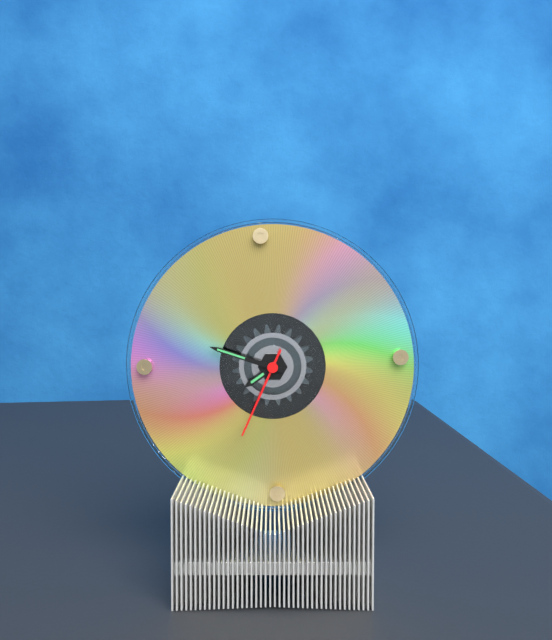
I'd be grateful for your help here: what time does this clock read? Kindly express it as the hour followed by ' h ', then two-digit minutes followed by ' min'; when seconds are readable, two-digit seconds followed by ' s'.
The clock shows 7 h 48 min 34 s
